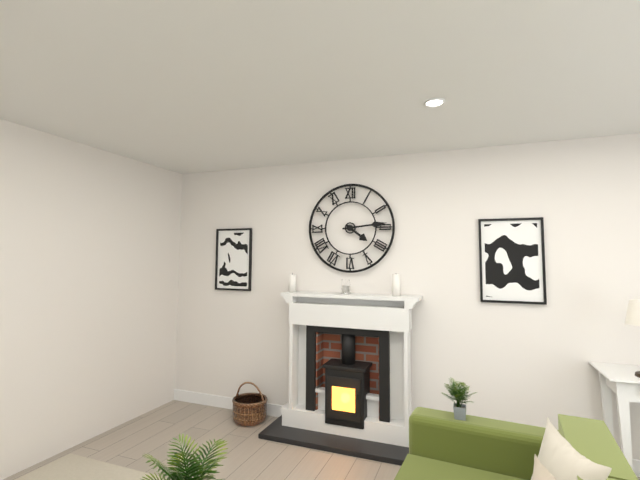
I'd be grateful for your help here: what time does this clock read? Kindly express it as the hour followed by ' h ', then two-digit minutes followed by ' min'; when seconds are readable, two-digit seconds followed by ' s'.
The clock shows 4 h 14 min
